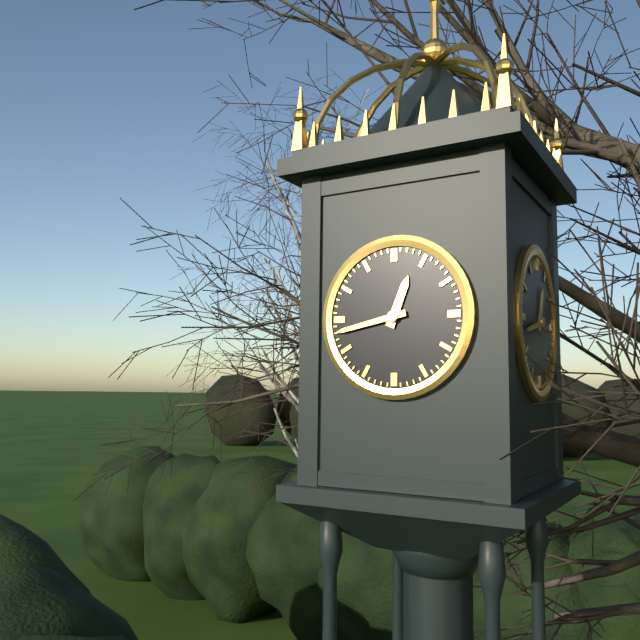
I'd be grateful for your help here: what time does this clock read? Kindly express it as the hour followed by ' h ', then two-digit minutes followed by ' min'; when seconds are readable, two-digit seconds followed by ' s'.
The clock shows 12 h 43 min
